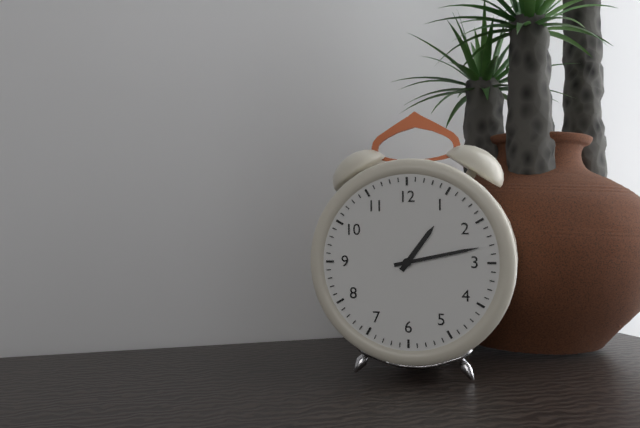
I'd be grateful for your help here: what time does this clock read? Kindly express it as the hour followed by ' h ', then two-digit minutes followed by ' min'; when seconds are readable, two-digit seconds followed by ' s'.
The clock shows 1 h 13 min
